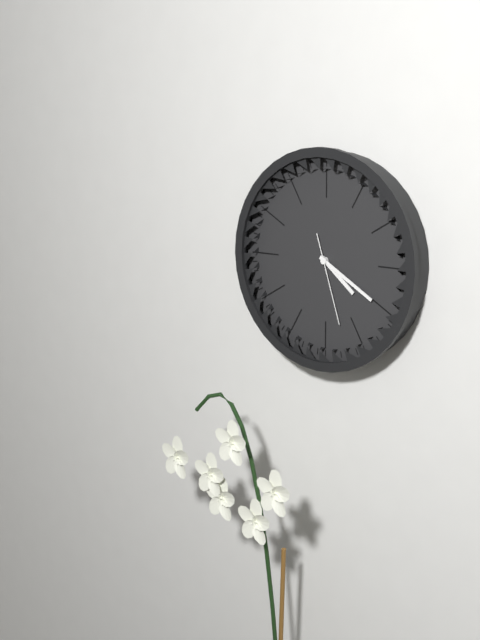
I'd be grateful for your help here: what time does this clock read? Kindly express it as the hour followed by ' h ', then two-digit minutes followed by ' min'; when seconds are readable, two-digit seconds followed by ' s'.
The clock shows 4 h 20 min 27 s
